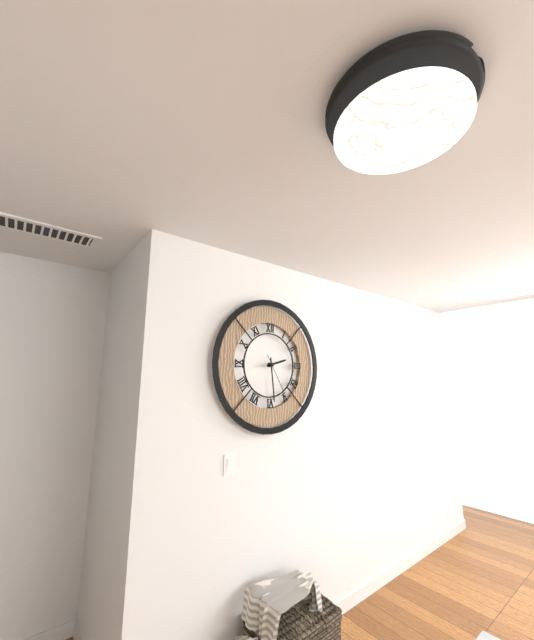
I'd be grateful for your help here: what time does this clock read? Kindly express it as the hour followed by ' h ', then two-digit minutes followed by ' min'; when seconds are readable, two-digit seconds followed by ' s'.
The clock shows 2 h 29 min
